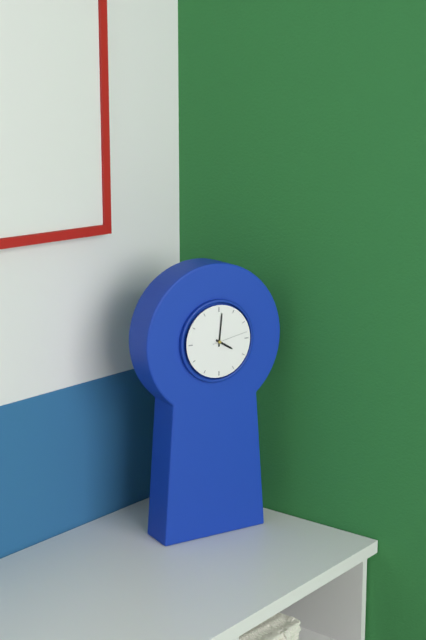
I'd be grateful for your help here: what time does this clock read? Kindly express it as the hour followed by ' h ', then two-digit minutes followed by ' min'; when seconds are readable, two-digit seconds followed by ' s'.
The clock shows 4 h 01 min
